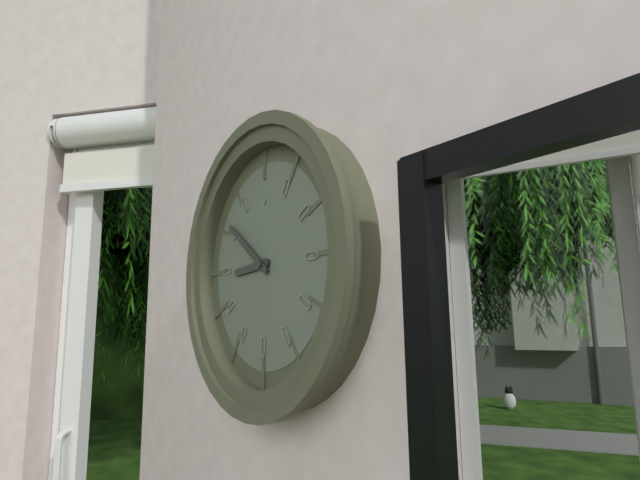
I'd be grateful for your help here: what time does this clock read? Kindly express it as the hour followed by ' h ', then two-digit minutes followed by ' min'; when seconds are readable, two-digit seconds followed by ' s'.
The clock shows 8 h 51 min
